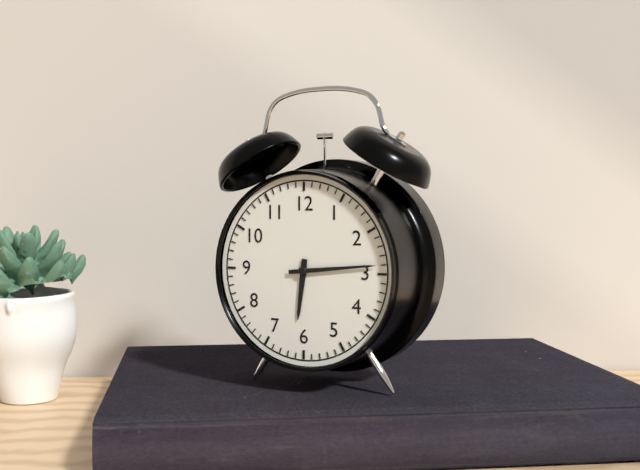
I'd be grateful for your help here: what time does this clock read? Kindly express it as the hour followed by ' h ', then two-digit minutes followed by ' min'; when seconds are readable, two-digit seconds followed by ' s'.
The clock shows 6 h 14 min
